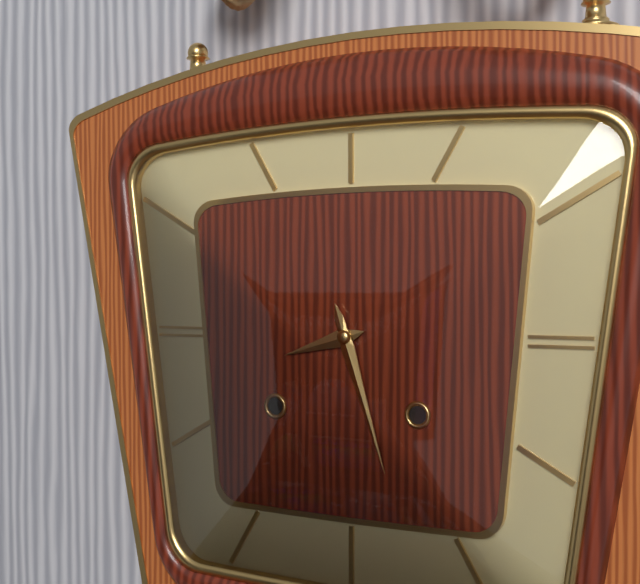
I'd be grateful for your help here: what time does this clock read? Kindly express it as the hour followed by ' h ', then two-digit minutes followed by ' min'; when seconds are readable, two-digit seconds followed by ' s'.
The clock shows 8 h 27 min
